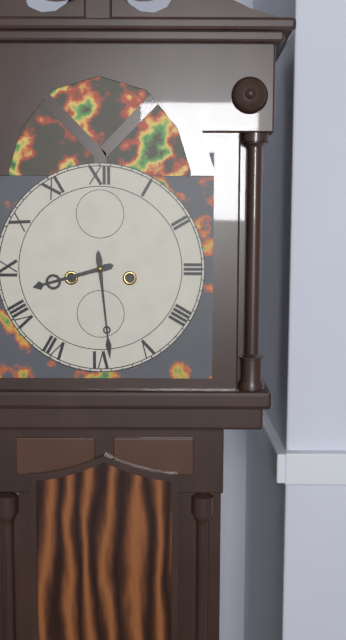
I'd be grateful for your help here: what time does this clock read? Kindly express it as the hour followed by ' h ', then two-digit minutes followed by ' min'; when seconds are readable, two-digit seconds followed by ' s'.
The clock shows 8 h 29 min
